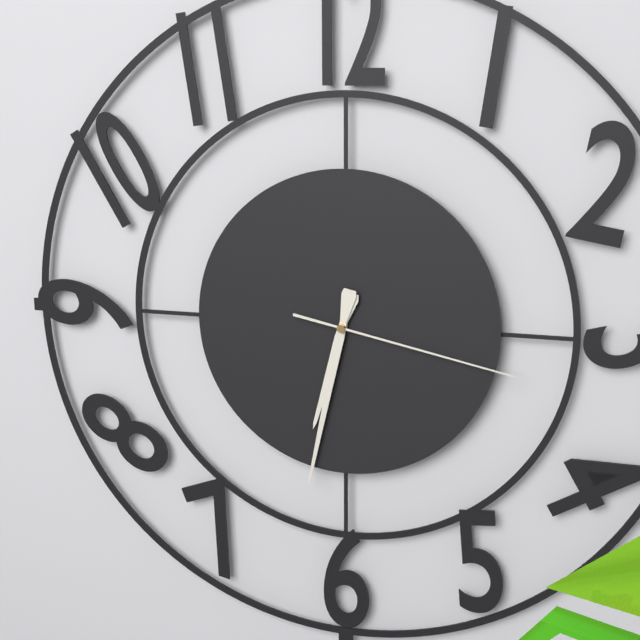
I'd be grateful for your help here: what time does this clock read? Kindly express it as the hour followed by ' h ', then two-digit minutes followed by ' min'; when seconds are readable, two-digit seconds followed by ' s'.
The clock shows 6 h 32 min 17 s
